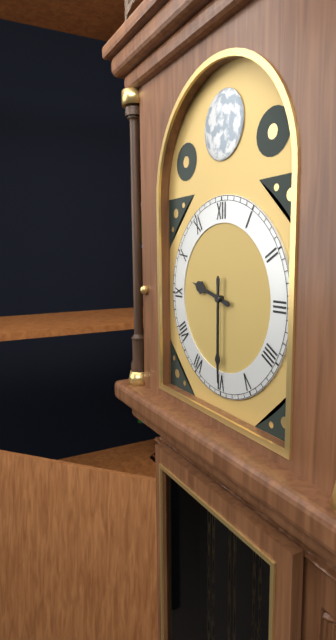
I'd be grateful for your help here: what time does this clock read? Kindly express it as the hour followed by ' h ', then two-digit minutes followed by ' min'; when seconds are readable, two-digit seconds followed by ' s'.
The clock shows 9 h 30 min
